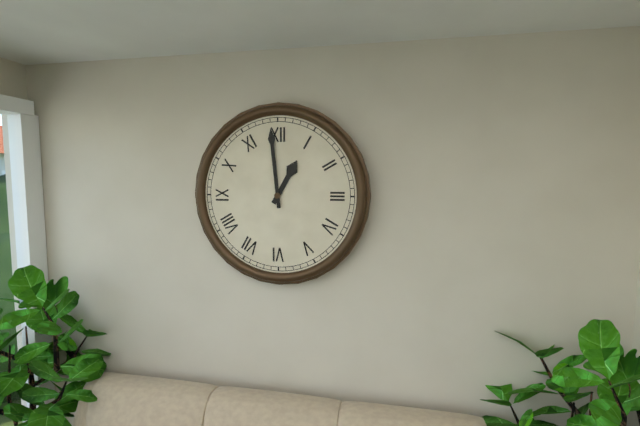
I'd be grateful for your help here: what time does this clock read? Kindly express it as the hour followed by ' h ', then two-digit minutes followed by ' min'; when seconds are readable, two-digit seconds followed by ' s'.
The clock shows 12 h 59 min
